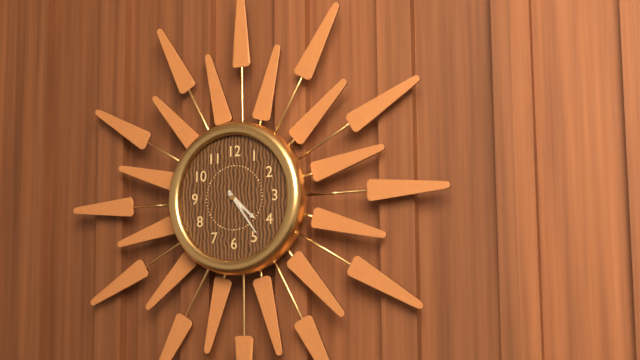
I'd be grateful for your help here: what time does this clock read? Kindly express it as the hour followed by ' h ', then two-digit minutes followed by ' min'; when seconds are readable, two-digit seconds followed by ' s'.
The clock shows 4 h 24 min
